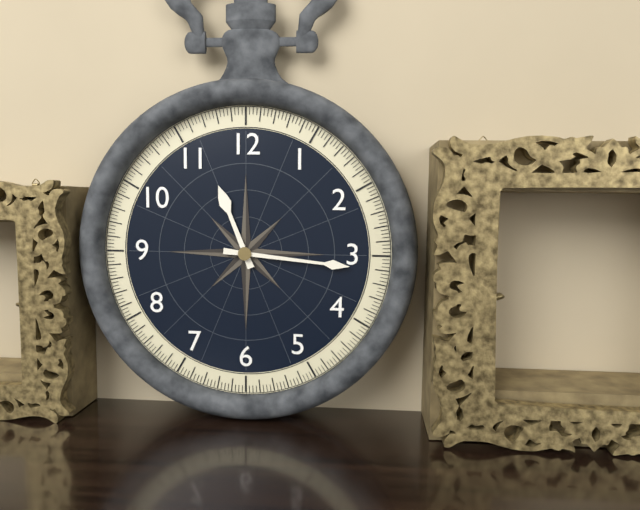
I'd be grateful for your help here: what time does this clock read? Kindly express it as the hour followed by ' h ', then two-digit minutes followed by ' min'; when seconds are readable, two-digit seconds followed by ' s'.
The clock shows 11 h 16 min
